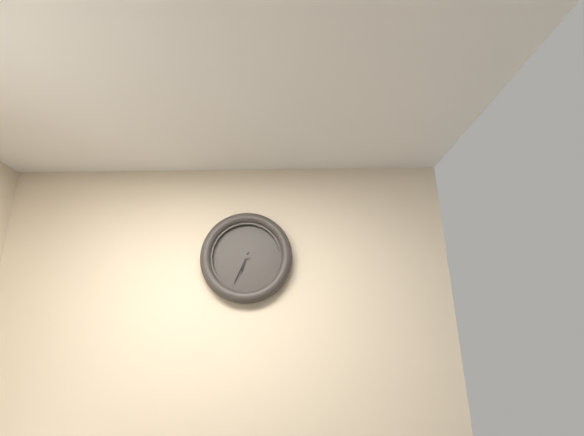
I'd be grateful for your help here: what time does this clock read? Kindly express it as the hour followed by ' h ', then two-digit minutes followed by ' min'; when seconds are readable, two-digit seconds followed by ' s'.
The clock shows 6 h 34 min
